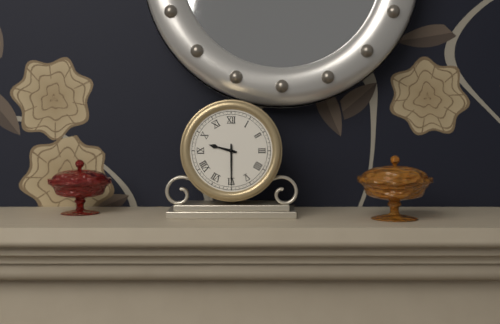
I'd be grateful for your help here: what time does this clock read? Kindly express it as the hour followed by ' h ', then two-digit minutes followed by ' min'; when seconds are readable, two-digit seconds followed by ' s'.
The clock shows 9 h 30 min
